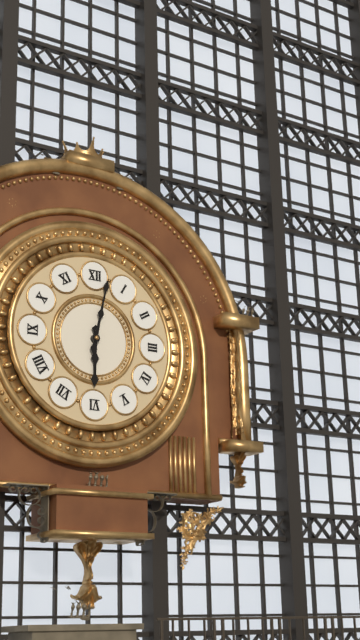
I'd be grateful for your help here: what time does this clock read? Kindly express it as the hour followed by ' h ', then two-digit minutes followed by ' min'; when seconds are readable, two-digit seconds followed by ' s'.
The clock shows 6 h 02 min
